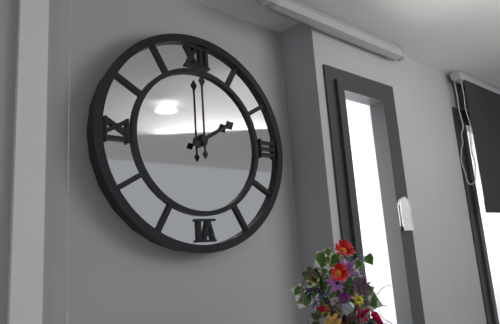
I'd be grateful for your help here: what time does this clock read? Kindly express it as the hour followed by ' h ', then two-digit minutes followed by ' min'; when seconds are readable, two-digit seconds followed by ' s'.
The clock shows 2 h 00 min
